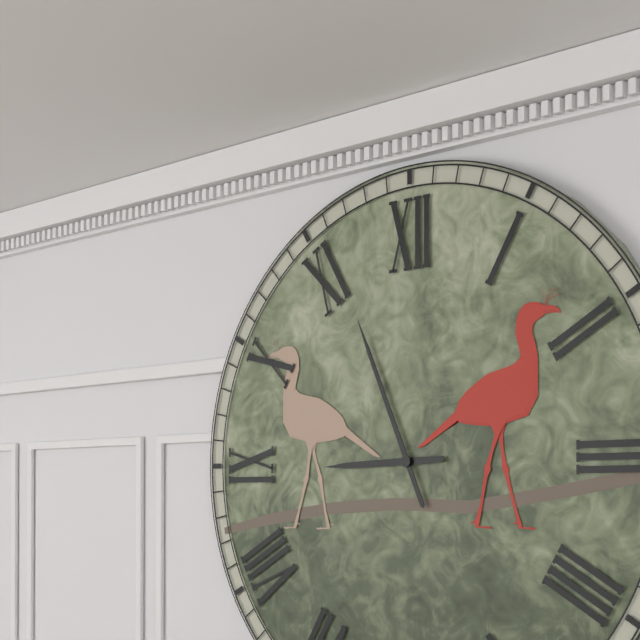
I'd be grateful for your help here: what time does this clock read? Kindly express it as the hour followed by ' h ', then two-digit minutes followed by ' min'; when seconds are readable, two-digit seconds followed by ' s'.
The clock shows 8 h 56 min
